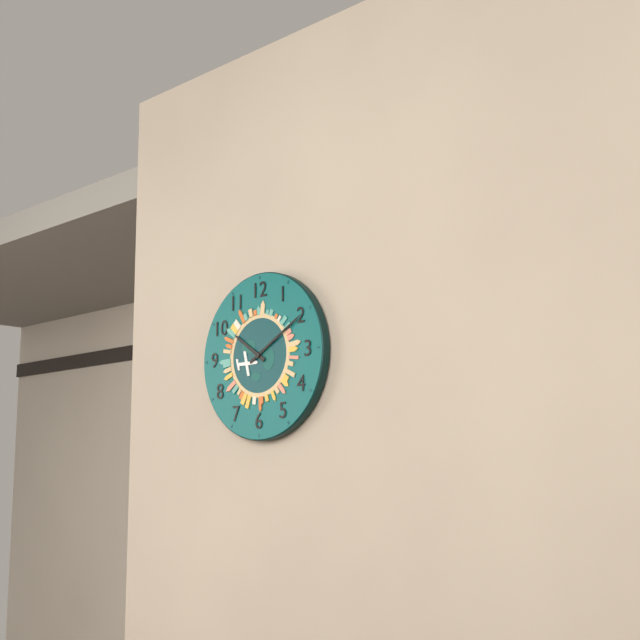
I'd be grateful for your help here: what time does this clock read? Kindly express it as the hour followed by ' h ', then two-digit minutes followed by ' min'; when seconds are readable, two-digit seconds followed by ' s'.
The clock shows 10 h 10 min
